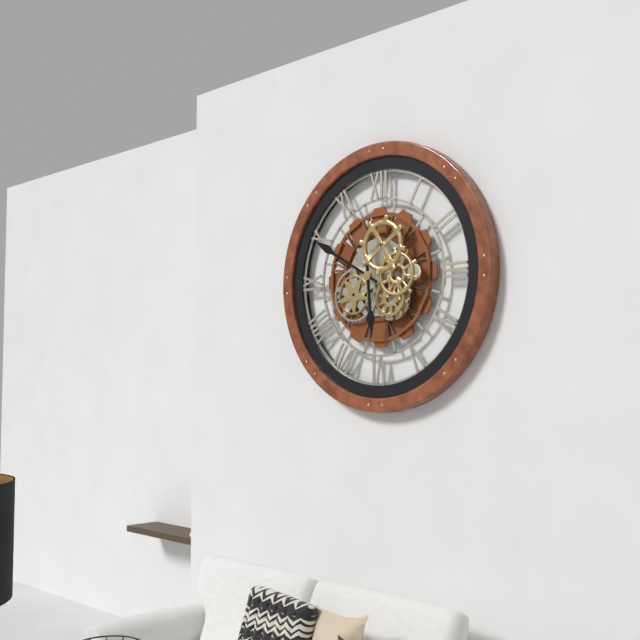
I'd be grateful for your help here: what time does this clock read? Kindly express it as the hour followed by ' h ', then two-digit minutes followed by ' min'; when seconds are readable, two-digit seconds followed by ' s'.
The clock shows 5 h 50 min
